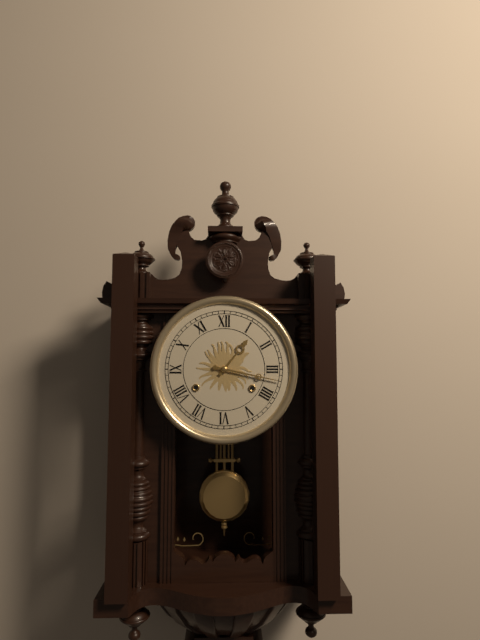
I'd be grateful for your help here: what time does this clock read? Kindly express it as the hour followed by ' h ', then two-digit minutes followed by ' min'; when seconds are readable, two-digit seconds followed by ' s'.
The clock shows 1 h 17 min
